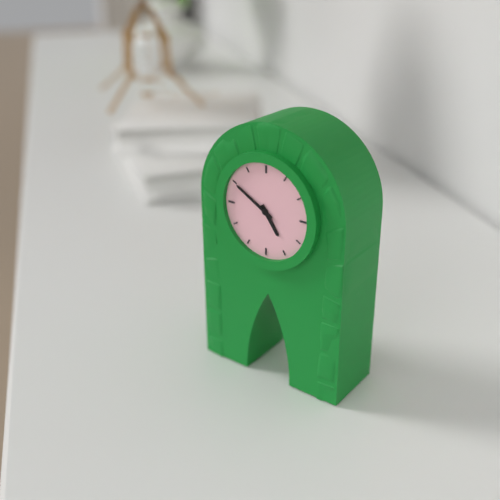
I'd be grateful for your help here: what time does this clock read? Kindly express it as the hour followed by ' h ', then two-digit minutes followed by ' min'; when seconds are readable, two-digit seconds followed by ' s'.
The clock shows 4 h 50 min
